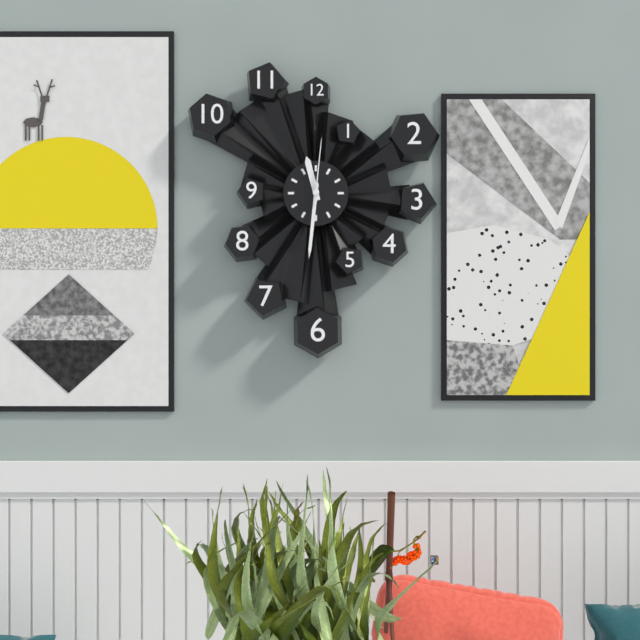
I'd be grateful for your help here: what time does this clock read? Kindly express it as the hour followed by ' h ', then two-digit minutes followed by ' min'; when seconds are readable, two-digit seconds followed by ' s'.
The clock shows 11 h 31 min 01 s
